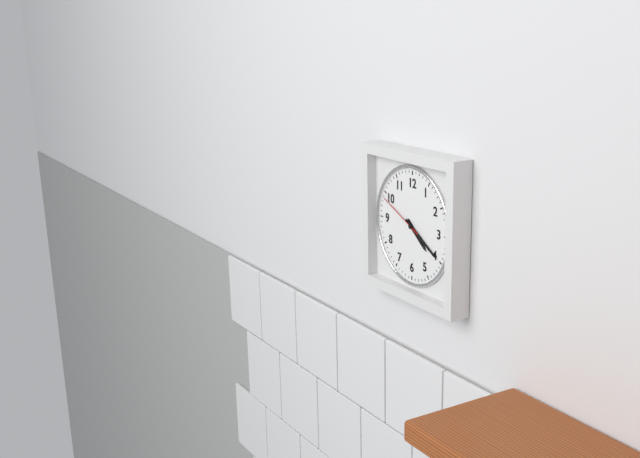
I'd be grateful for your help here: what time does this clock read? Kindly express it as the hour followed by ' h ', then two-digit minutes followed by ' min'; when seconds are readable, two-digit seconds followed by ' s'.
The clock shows 4 h 20 min
